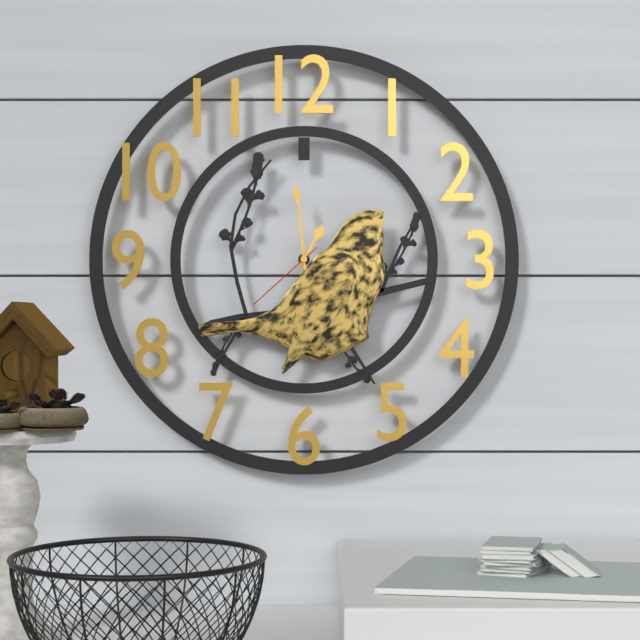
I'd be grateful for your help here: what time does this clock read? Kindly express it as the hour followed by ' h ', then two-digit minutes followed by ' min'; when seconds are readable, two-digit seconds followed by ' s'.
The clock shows 12 h 59 min 38 s
